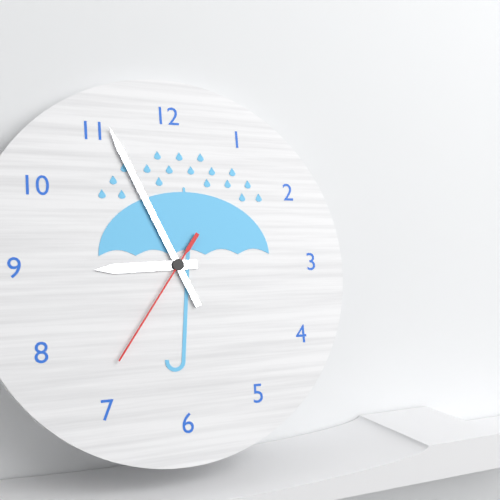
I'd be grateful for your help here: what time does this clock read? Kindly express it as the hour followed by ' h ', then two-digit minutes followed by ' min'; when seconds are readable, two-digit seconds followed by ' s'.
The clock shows 8 h 56 min 36 s
